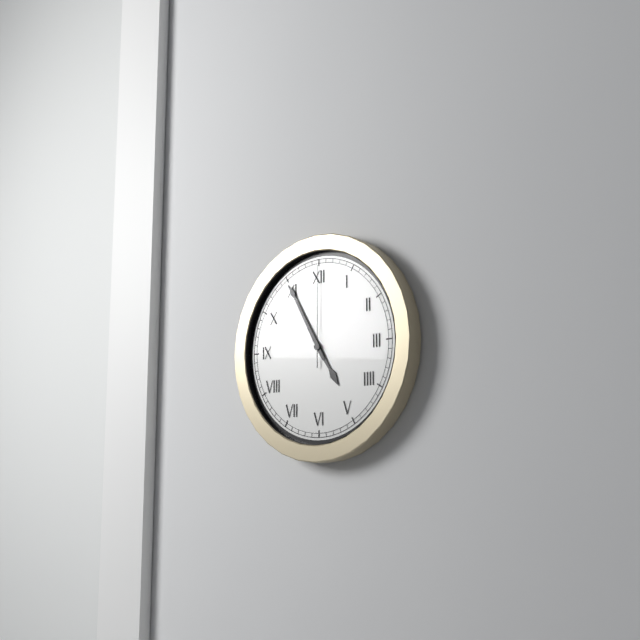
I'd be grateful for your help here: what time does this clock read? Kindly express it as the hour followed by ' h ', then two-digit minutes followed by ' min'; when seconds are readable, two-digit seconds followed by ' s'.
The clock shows 4 h 55 min 00 s
